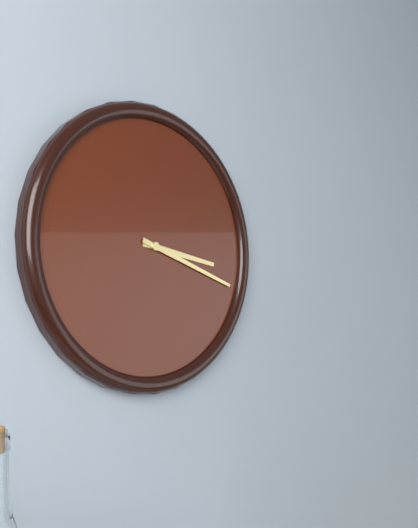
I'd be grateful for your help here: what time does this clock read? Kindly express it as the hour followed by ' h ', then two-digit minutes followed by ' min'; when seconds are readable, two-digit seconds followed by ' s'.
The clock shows 3 h 18 min
